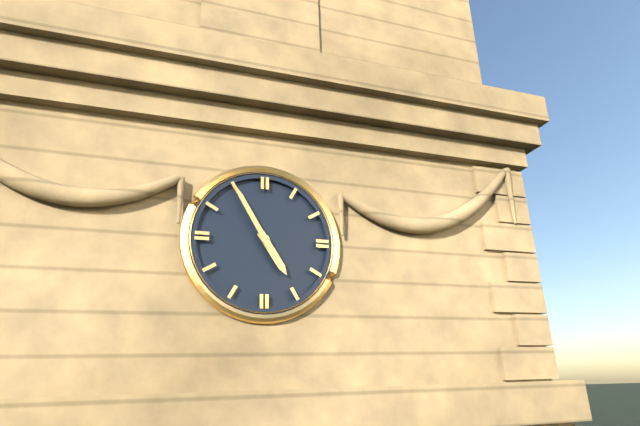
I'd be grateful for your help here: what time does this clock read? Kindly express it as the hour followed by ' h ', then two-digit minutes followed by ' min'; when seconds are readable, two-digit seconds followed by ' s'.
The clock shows 4 h 55 min
